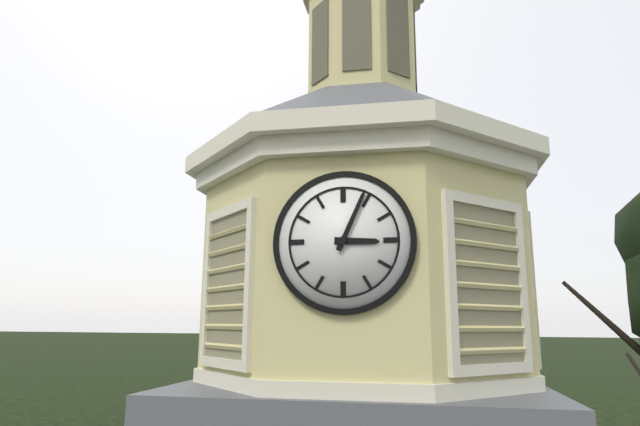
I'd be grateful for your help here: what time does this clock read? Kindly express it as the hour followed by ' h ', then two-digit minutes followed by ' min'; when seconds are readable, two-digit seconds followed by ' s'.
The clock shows 3 h 04 min
